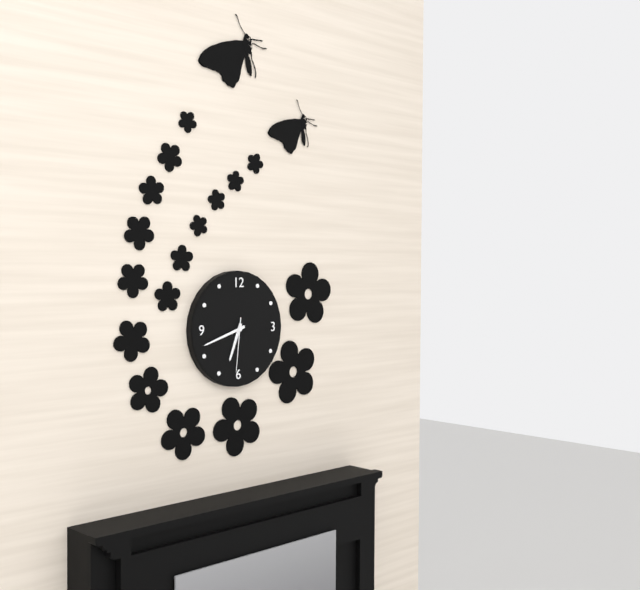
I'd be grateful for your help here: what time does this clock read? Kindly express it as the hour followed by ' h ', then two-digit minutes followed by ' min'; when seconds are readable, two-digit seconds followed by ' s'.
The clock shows 6 h 42 min 31 s
